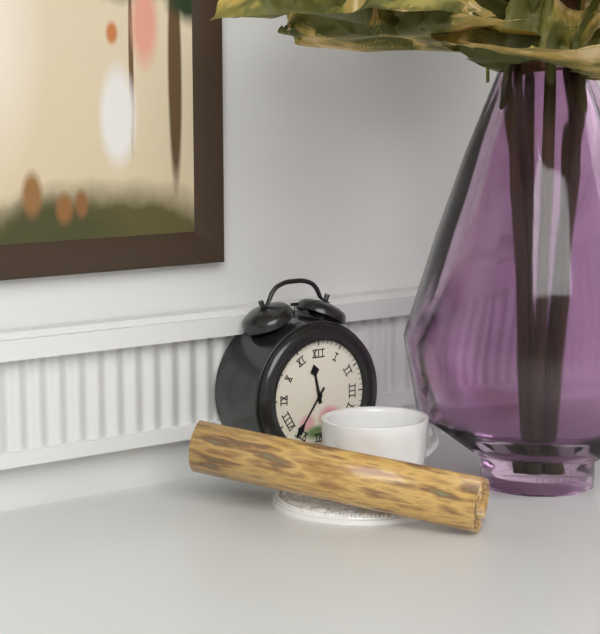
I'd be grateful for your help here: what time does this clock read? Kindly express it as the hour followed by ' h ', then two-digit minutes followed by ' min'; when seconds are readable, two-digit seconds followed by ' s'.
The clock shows 11 h 36 min
